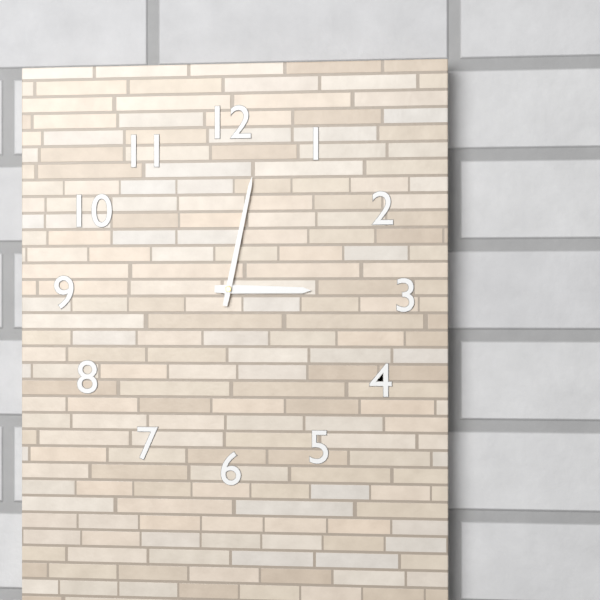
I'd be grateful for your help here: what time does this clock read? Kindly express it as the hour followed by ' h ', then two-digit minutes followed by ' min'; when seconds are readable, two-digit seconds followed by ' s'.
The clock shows 3 h 02 min
